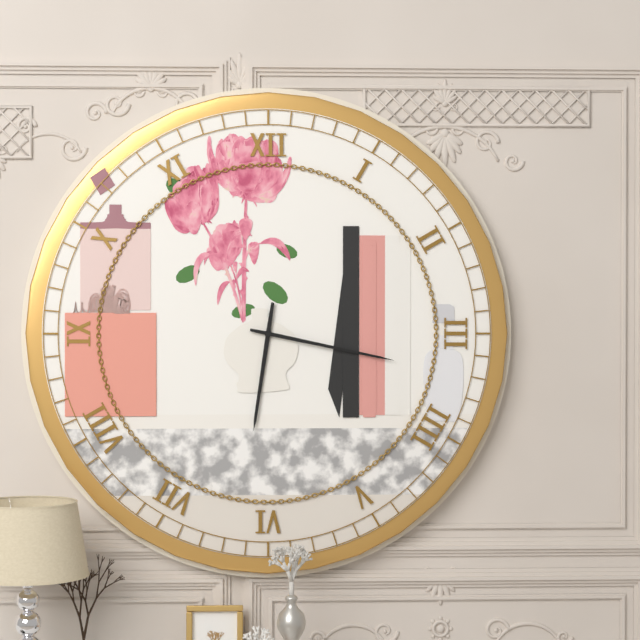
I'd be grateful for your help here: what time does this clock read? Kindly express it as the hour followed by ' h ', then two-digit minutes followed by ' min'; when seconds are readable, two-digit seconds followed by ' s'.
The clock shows 6 h 17 min
